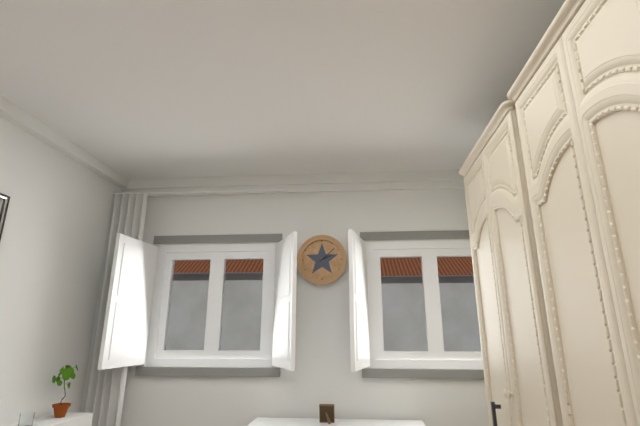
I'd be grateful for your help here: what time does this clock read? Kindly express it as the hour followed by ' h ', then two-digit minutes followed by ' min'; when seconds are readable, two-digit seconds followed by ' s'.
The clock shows 2 h 08 min
